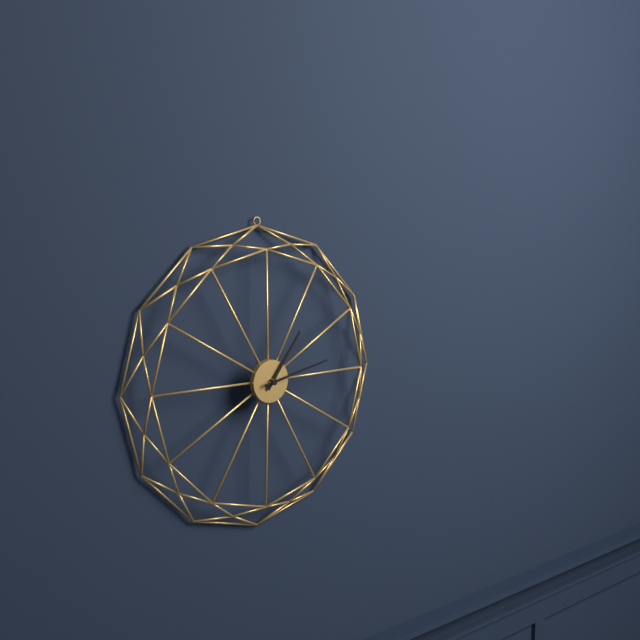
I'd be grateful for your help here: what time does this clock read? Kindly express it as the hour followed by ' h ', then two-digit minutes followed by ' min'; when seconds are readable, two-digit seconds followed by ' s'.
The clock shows 1 h 13 min
